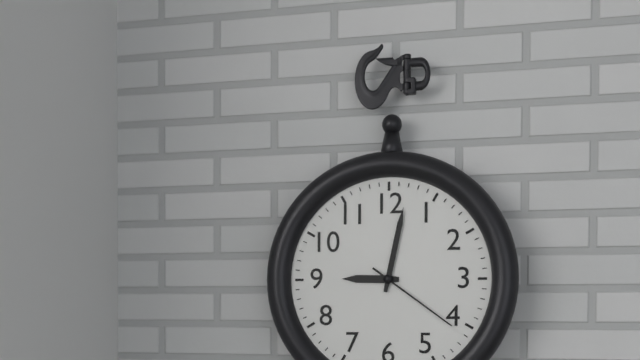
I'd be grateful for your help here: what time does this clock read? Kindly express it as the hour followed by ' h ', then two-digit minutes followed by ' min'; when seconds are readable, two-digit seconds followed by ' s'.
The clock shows 9 h 02 min 21 s
